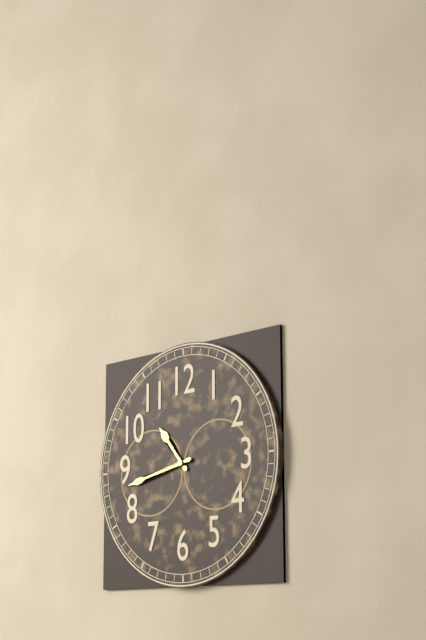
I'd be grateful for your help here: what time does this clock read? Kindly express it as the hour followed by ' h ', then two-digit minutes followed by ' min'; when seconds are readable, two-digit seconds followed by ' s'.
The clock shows 10 h 43 min
